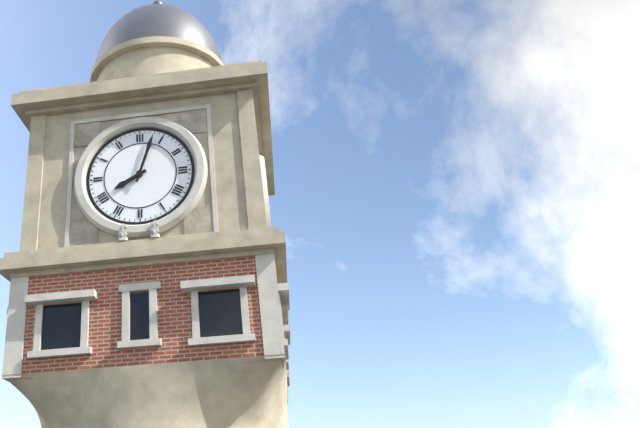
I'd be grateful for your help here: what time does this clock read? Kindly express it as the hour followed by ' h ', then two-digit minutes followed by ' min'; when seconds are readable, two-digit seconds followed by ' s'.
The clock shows 8 h 03 min
